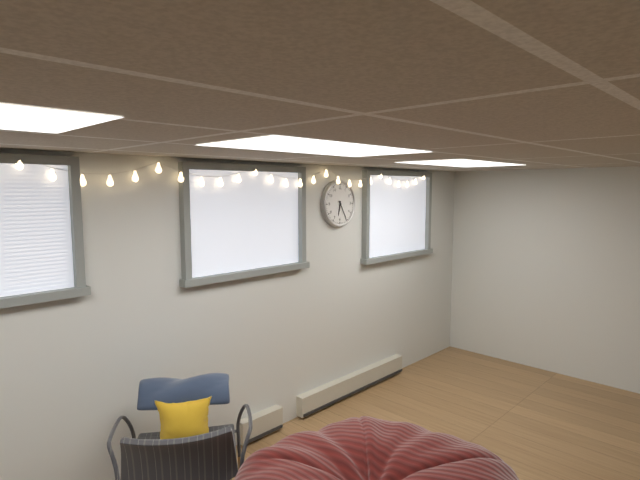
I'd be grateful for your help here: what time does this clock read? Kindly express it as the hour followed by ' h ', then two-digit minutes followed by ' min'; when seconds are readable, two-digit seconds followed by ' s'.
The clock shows 6 h 25 min
